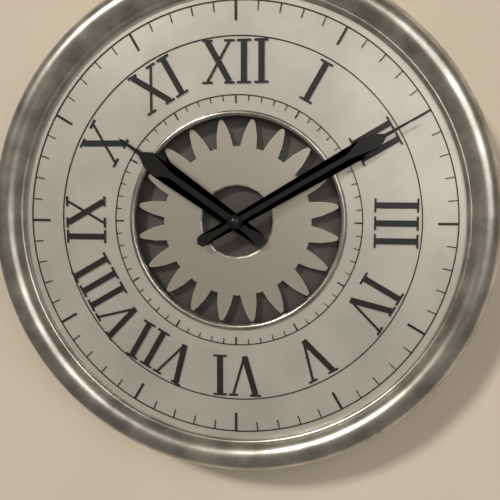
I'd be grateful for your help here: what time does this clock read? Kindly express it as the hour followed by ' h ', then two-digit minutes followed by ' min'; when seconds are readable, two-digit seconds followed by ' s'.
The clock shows 10 h 10 min
